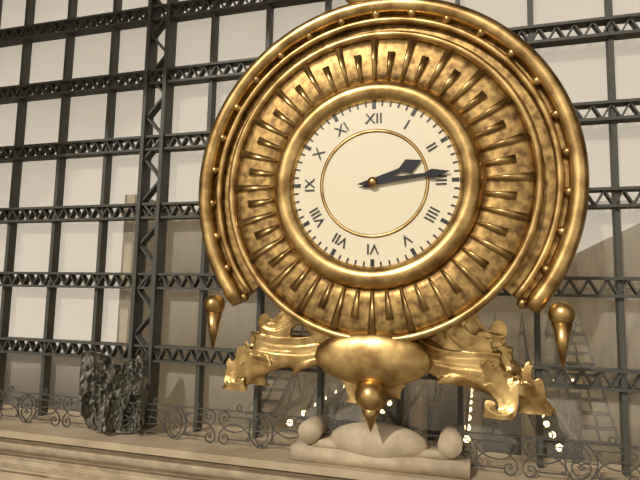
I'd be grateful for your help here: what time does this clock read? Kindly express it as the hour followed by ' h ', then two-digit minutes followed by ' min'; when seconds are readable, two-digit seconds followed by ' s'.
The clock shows 2 h 14 min
